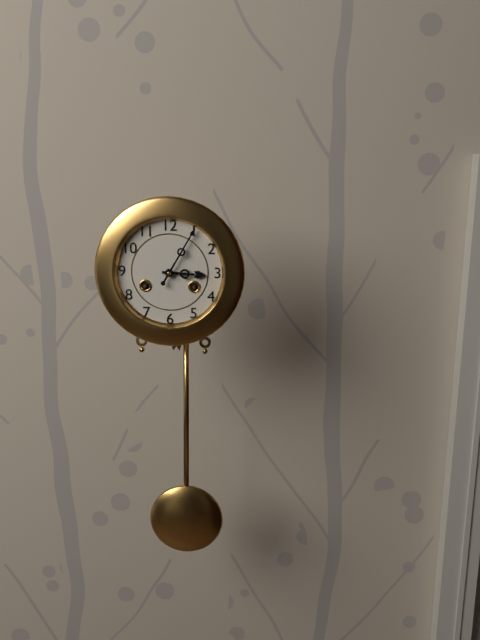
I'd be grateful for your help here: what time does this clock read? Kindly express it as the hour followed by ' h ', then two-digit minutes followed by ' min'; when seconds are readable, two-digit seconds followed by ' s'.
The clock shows 3 h 05 min
